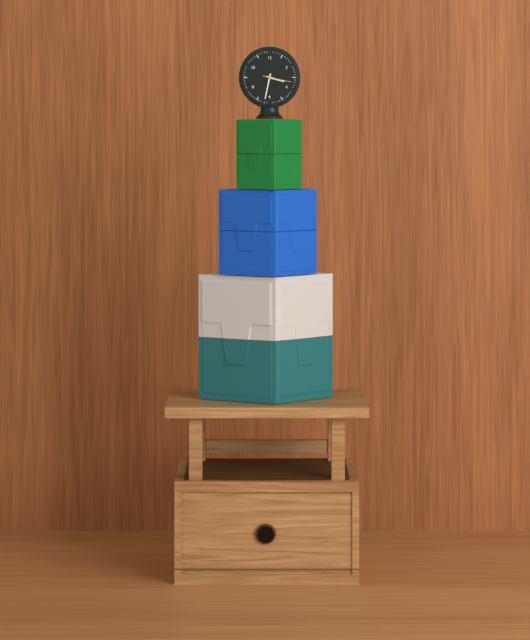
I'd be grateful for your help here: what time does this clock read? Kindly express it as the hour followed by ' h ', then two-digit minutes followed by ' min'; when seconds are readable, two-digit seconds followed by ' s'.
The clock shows 3 h 32 min
